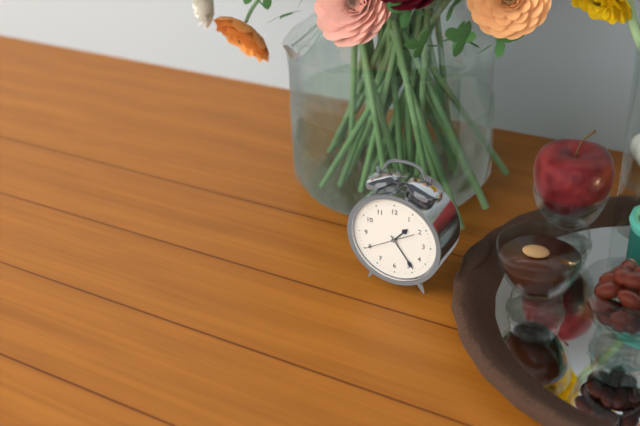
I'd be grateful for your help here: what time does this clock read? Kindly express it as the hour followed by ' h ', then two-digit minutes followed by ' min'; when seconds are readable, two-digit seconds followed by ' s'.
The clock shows 1 h 24 min
